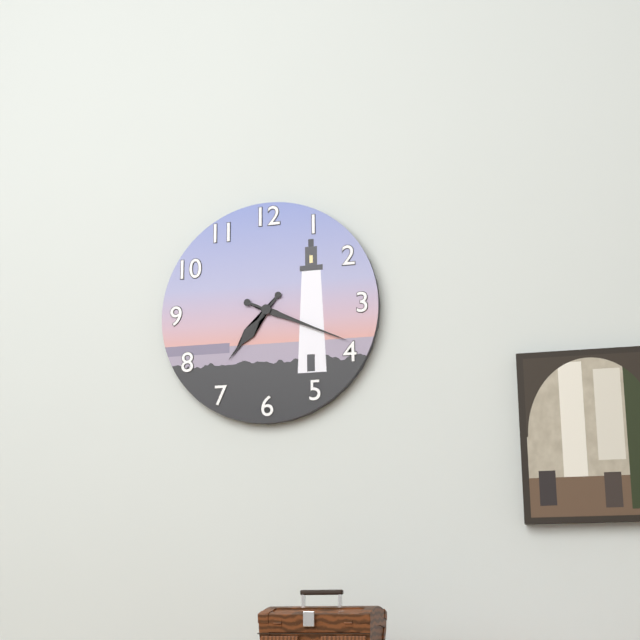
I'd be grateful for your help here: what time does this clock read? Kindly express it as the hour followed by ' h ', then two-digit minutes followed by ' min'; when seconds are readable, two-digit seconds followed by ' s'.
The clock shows 7 h 19 min
